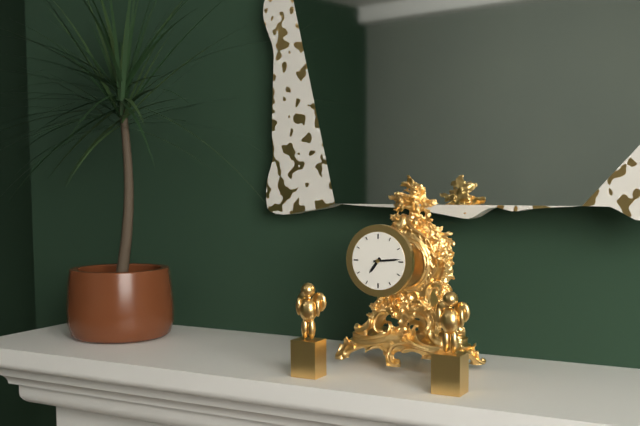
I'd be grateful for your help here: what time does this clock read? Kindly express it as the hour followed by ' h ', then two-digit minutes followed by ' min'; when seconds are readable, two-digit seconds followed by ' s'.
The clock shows 7 h 14 min
